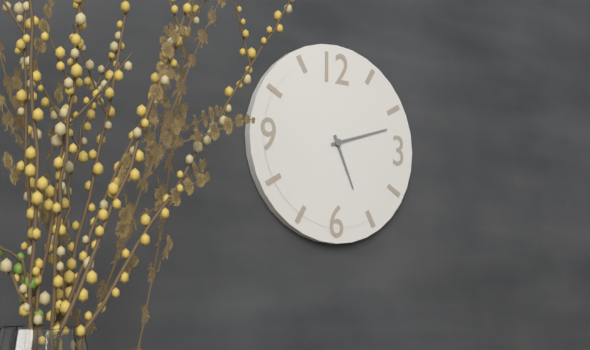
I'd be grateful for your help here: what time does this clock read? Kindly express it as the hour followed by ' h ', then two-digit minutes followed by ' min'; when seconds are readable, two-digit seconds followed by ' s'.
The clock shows 5 h 12 min
